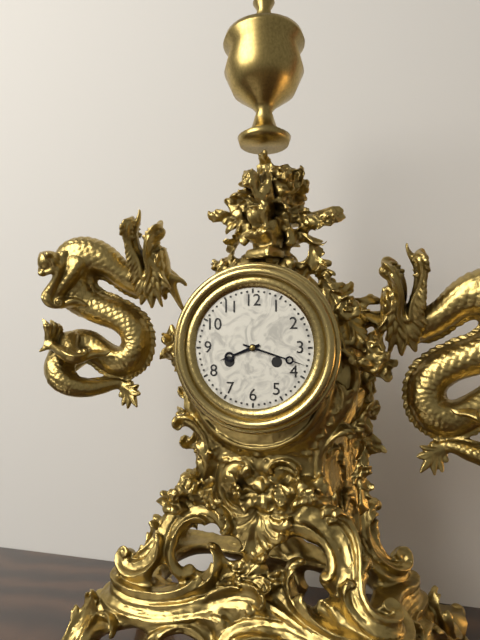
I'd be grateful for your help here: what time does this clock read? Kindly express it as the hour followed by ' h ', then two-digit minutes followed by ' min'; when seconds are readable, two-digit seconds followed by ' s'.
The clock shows 8 h 18 min
